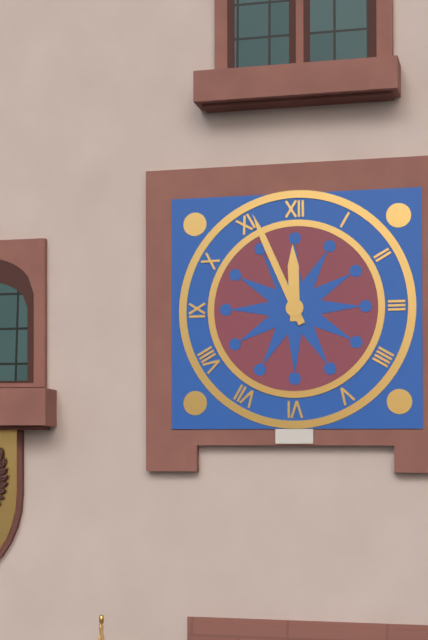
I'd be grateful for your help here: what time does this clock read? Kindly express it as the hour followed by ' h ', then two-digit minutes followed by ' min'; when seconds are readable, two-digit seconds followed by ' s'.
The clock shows 11 h 56 min
